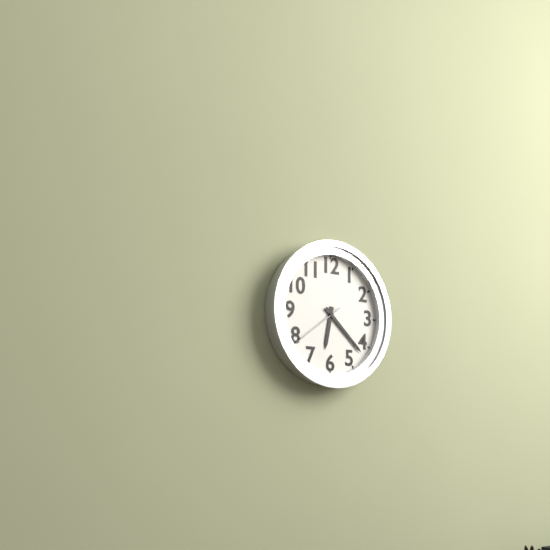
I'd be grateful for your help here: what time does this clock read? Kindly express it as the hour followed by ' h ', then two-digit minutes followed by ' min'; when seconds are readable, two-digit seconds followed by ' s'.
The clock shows 6 h 22 min 39 s
